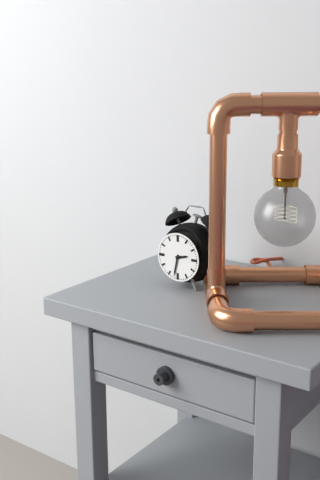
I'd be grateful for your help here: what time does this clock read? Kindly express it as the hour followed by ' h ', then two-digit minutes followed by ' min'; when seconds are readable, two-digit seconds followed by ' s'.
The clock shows 2 h 32 min
